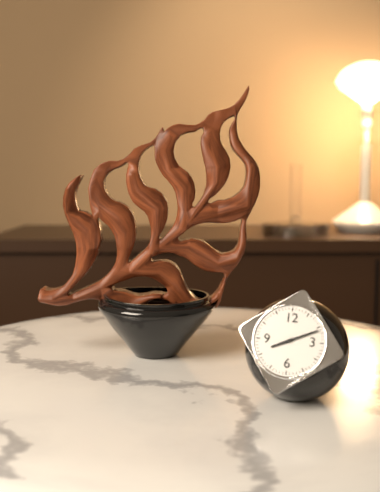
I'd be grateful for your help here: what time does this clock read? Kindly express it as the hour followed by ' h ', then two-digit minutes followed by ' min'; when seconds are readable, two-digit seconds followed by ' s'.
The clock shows 8 h 11 min
